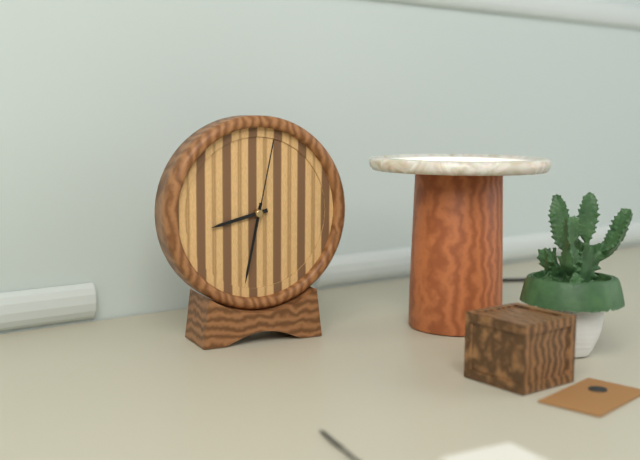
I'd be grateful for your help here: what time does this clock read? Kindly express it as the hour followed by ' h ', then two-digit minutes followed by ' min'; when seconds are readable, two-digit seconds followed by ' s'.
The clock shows 8 h 32 min 02 s
